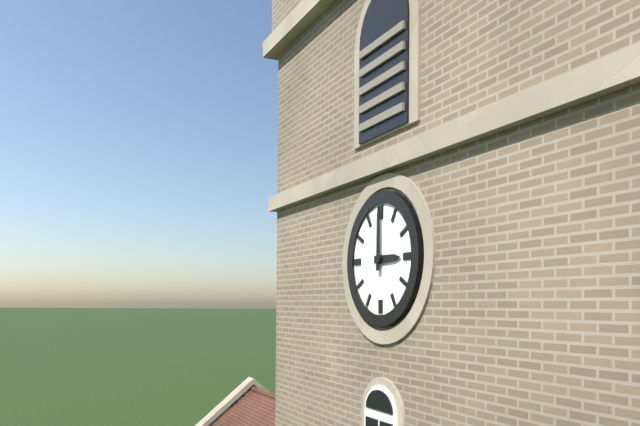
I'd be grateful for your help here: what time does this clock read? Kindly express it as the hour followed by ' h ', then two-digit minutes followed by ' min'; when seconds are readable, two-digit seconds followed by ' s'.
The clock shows 3 h 00 min
